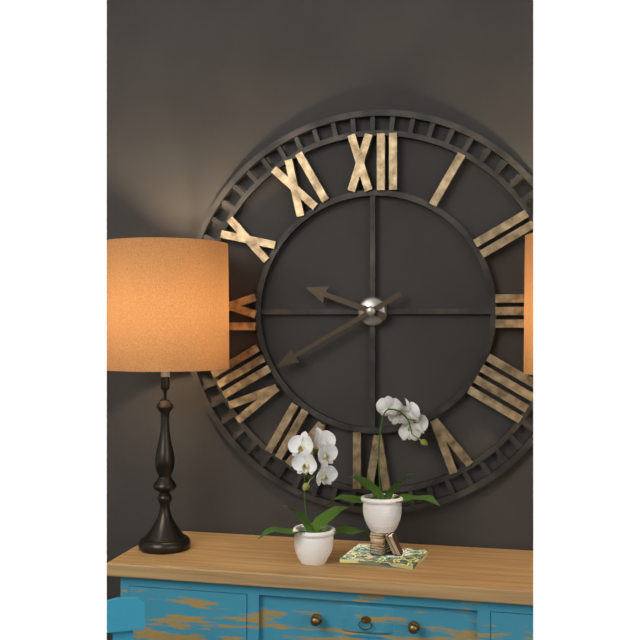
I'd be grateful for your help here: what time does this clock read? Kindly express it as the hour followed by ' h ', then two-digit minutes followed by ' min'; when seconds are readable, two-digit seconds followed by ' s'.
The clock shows 9 h 40 min
